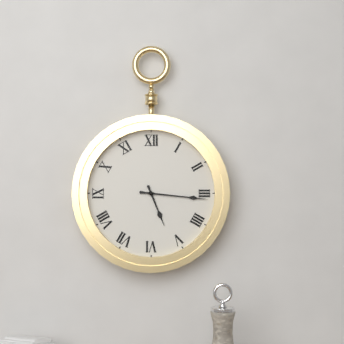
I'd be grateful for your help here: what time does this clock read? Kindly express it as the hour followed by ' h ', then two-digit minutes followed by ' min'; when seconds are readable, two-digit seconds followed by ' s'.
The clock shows 5 h 16 min
